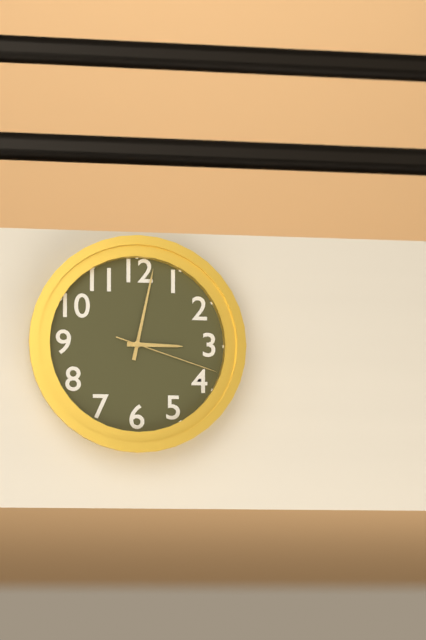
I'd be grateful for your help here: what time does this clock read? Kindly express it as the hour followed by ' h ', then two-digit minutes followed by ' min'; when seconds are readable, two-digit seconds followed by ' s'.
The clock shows 3 h 02 min 18 s
